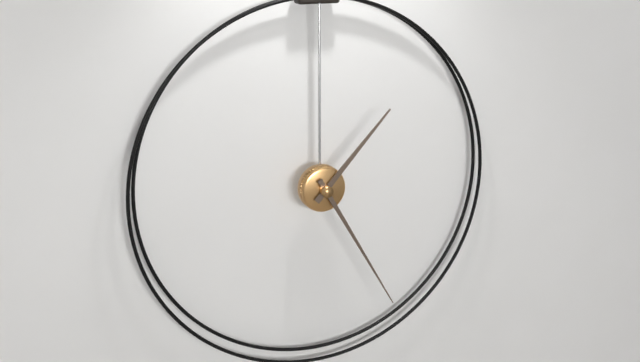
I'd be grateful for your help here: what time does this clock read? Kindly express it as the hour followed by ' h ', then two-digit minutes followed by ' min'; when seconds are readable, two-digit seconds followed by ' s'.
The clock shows 1 h 25 min
